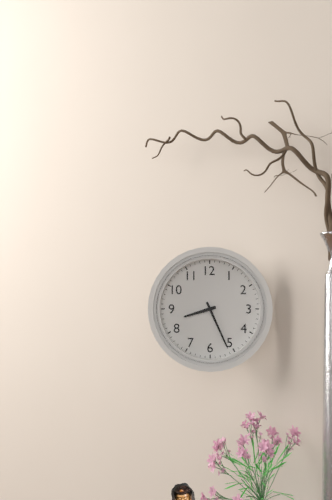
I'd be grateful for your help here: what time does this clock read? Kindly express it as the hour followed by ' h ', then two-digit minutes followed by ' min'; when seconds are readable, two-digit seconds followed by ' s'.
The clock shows 8 h 26 min
